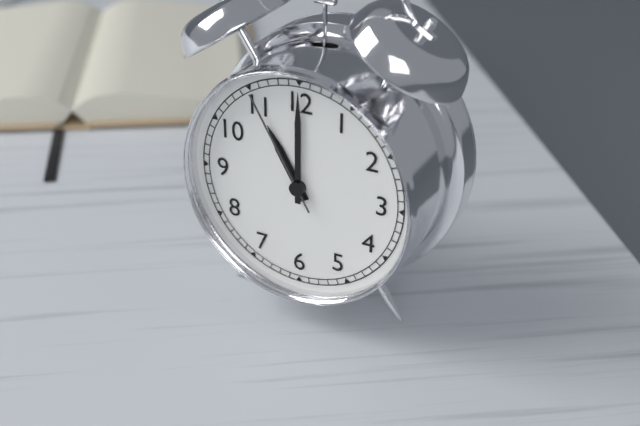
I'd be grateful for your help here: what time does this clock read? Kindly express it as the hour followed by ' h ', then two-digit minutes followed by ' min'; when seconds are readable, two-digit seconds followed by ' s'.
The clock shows 11 h 00 min 55 s
